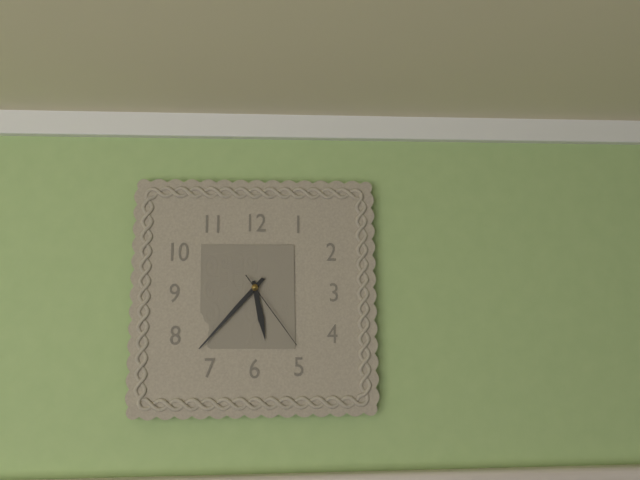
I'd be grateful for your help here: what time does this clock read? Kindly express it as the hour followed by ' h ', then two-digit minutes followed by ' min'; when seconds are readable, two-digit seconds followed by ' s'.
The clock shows 5 h 37 min 24 s
